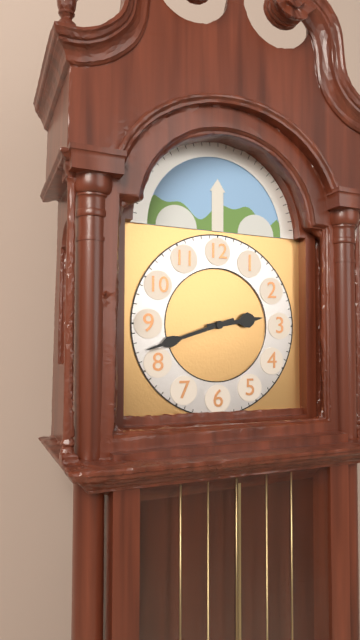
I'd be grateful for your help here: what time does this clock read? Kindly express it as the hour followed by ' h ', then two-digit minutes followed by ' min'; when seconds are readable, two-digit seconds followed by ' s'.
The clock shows 2 h 42 min
